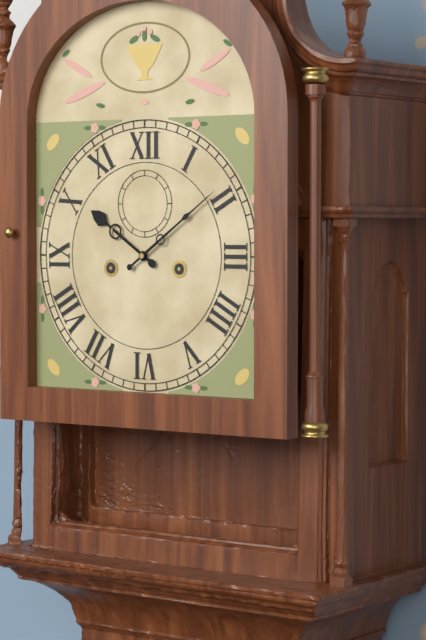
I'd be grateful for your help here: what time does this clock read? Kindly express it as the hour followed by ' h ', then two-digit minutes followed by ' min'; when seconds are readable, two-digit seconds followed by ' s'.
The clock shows 10 h 09 min
